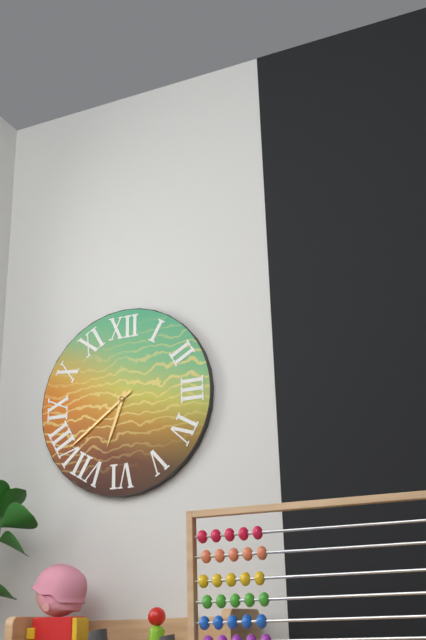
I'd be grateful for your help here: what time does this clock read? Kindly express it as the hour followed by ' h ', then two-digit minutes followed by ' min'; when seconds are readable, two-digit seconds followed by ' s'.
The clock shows 6 h 39 min
